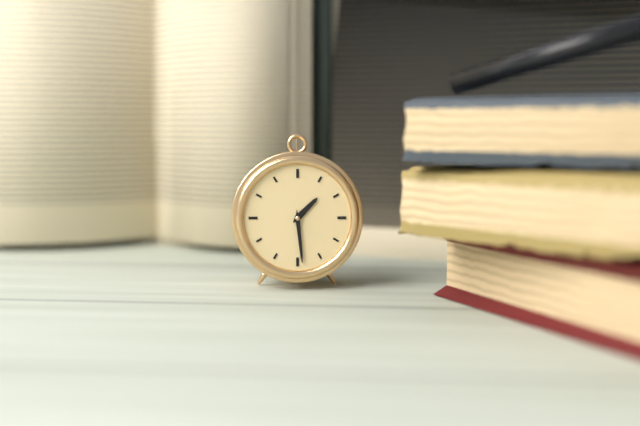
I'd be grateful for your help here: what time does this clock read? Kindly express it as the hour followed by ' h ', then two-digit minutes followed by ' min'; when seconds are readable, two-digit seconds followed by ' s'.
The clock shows 1 h 29 min
